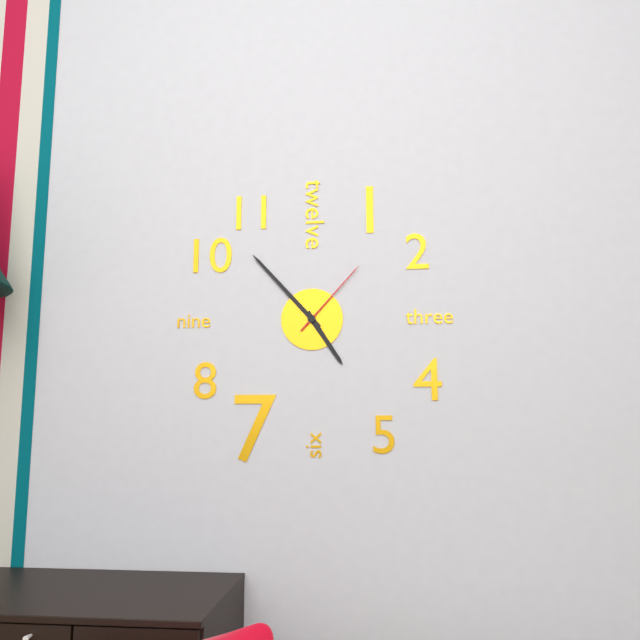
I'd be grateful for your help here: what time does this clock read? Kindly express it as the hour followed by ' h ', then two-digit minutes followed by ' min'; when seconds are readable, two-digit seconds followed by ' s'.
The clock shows 4 h 53 min 07 s
